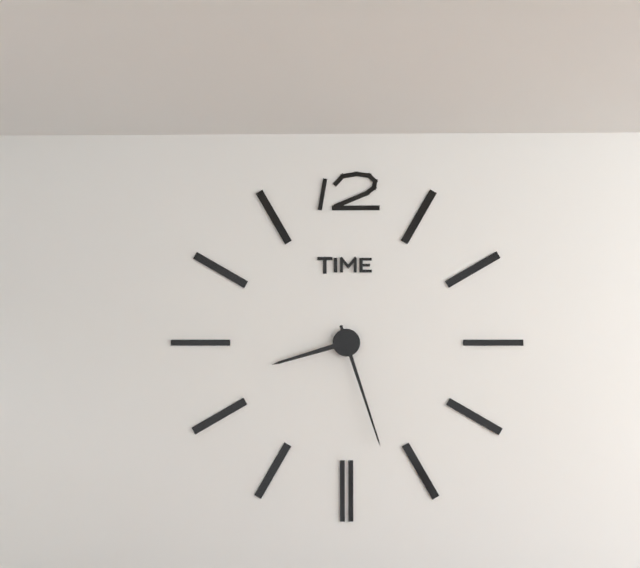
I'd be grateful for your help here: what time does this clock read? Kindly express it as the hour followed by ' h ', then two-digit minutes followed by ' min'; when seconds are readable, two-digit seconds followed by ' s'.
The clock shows 8 h 27 min
